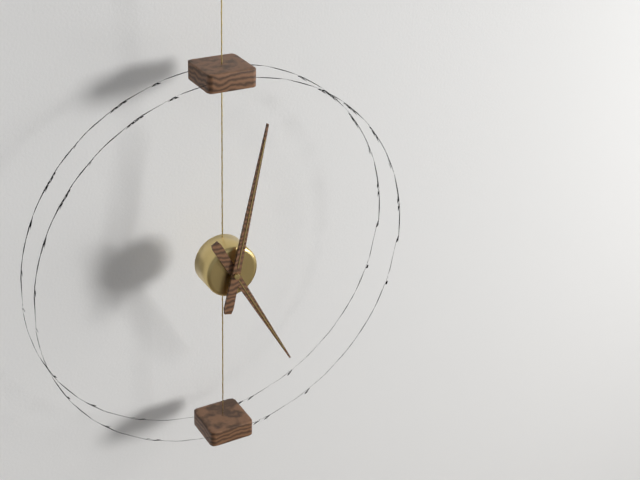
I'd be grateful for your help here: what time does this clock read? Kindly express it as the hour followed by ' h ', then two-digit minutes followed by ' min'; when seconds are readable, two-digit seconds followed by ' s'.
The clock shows 5 h 02 min
